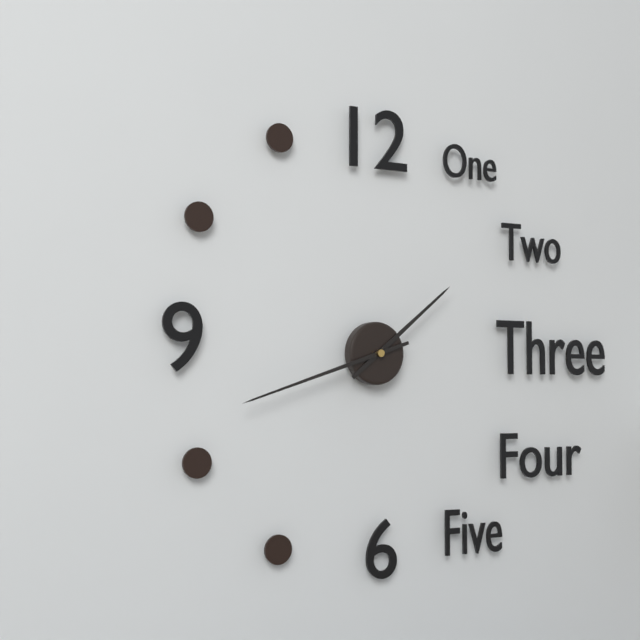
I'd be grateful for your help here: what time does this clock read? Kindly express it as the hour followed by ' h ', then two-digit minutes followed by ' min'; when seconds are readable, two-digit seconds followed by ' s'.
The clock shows 1 h 42 min
